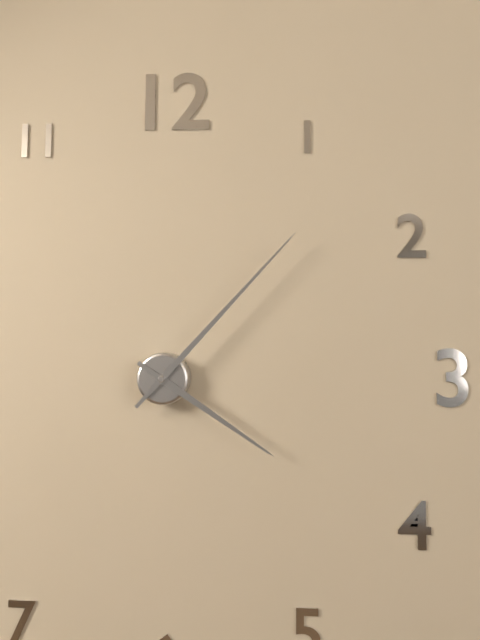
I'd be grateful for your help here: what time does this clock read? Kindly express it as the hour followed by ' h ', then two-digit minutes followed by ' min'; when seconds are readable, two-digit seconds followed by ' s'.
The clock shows 4 h 07 min
